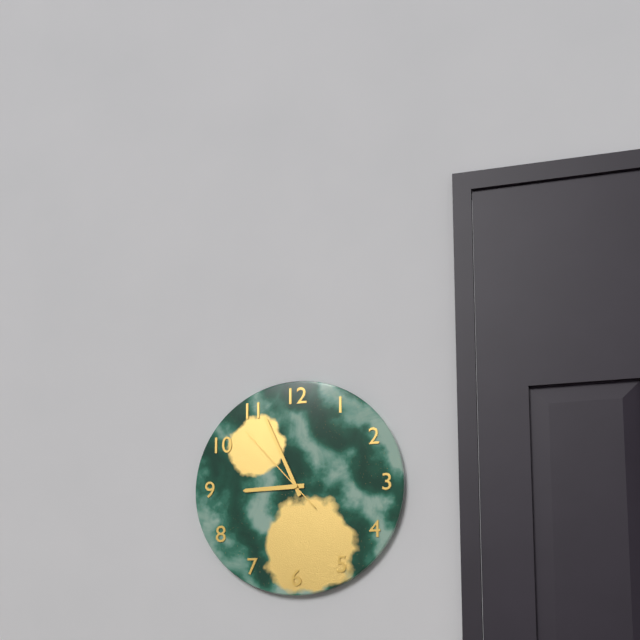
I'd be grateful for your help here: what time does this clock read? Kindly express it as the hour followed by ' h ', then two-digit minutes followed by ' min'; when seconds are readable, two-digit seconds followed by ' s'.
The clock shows 8 h 56 min 53 s
